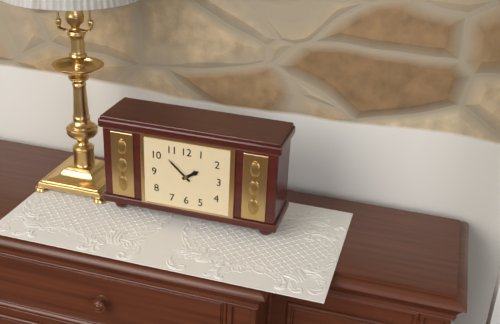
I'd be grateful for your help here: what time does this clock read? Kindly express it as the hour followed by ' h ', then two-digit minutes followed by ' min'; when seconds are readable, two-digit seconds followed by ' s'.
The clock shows 1 h 52 min
